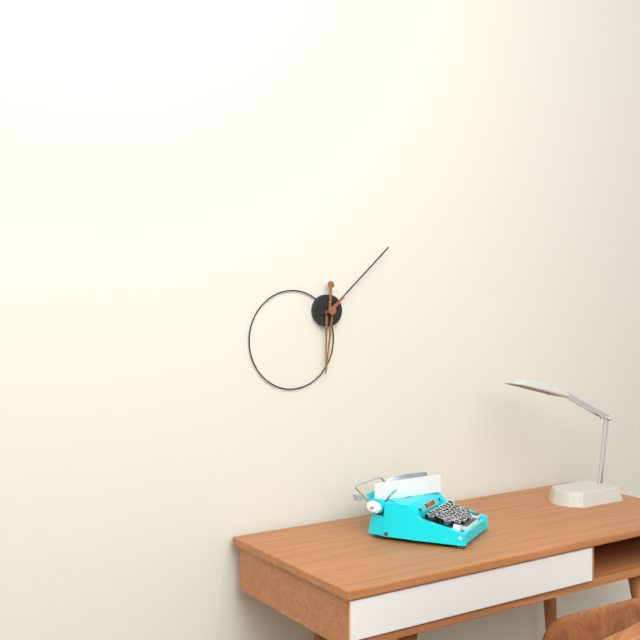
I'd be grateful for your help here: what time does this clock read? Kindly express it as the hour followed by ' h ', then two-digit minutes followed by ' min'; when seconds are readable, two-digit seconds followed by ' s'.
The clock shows 6 h 08 min
